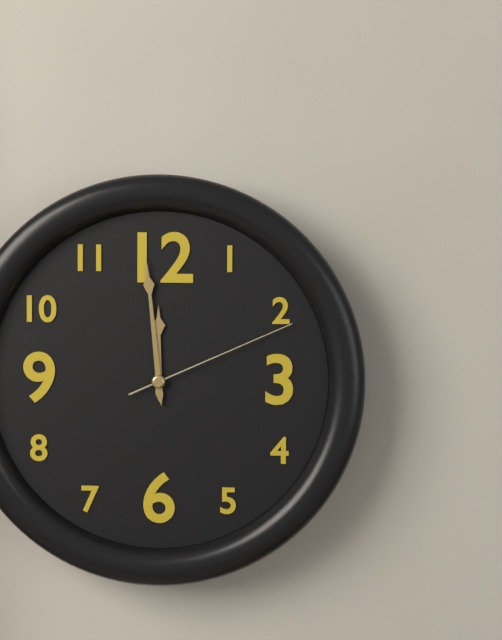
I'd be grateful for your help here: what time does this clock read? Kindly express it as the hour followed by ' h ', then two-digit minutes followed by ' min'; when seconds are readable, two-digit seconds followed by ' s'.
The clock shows 11 h 59 min 11 s
